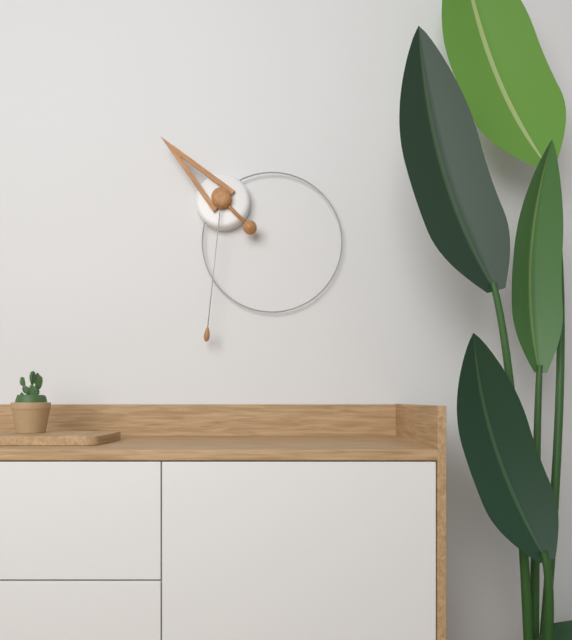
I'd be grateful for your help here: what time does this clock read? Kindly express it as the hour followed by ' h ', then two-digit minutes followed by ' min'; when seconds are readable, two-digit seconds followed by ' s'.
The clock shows 10 h 31 min
